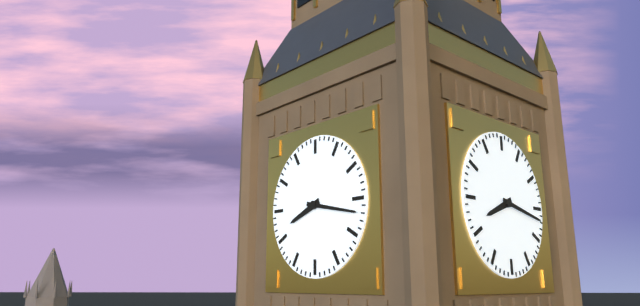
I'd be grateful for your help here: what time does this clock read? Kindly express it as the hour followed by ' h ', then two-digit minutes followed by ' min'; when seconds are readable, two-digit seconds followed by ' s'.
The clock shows 8 h 17 min
